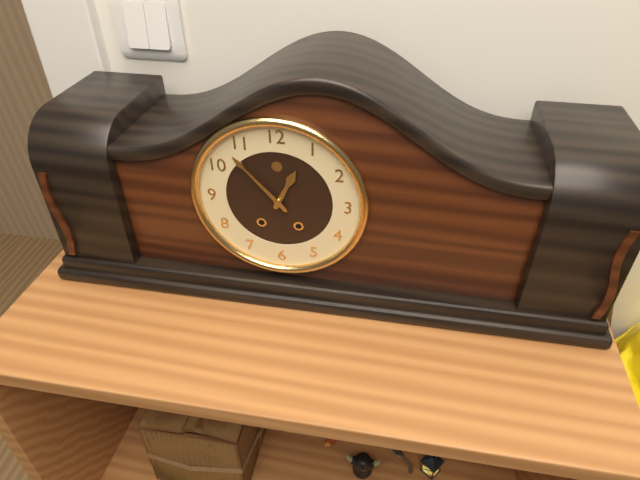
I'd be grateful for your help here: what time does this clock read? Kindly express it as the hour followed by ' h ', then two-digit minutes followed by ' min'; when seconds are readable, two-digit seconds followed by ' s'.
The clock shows 12 h 53 min
